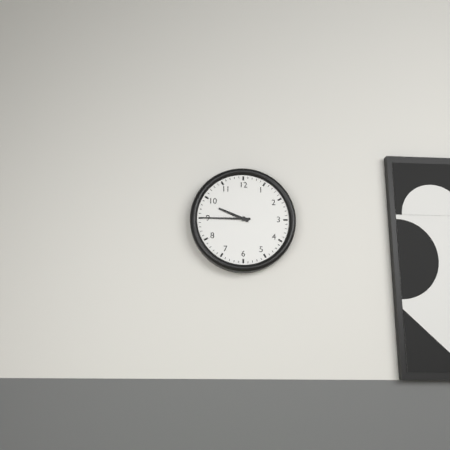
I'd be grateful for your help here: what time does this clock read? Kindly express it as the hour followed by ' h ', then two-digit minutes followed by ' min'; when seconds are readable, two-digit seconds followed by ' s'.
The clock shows 9 h 45 min
